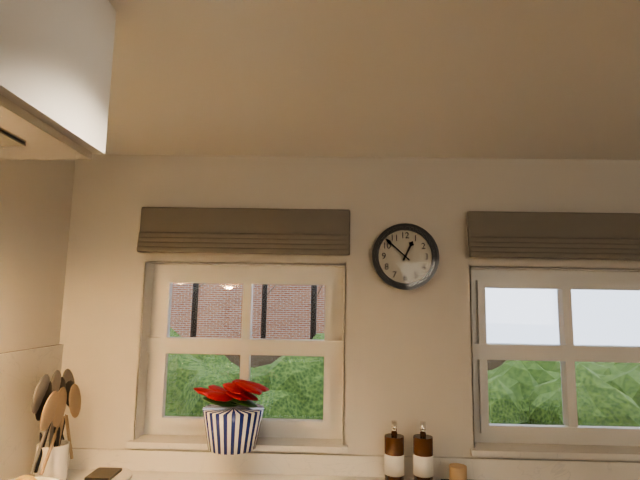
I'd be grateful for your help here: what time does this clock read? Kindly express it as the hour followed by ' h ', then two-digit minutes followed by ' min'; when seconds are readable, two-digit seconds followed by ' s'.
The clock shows 12 h 52 min
